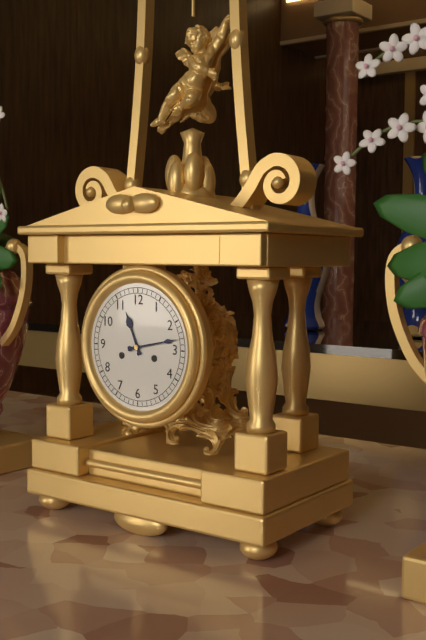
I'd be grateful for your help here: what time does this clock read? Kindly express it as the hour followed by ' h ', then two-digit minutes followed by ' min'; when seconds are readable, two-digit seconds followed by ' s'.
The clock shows 11 h 13 min
